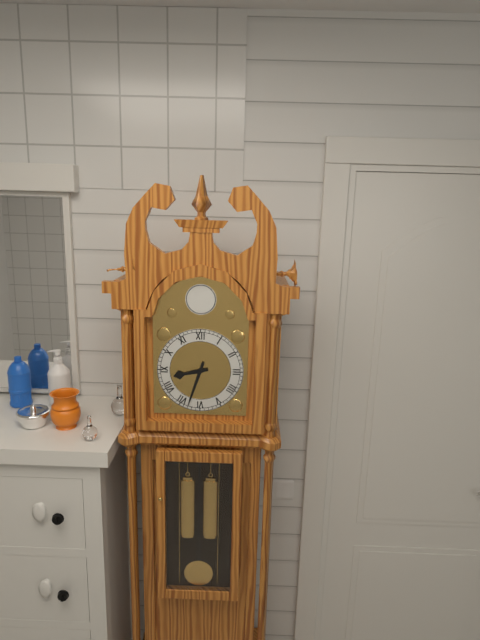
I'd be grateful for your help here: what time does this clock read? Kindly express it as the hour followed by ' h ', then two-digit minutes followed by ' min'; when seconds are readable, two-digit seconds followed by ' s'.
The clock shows 8 h 33 min
